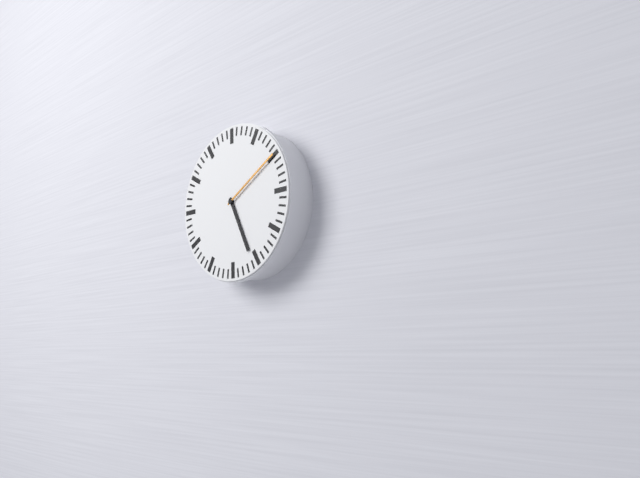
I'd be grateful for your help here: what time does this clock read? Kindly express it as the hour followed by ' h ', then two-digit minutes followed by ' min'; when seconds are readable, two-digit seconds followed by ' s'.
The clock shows 5 h 10 min
